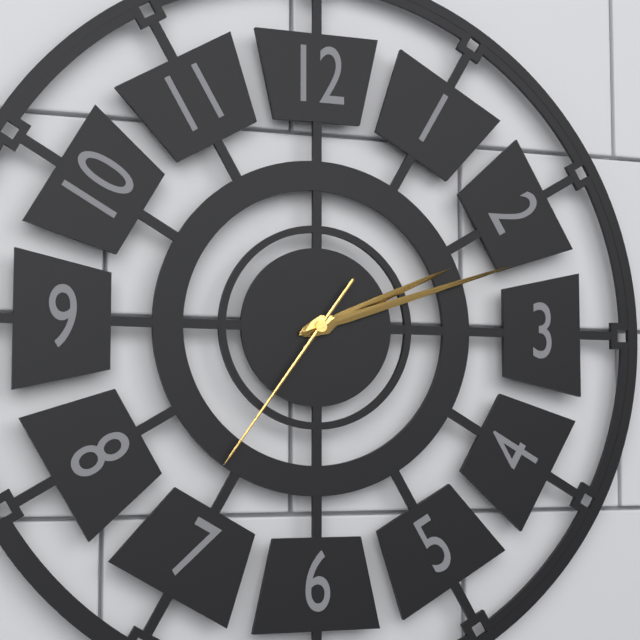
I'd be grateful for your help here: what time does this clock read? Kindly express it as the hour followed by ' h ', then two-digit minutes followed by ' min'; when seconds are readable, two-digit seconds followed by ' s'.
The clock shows 2 h 12 min 36 s
